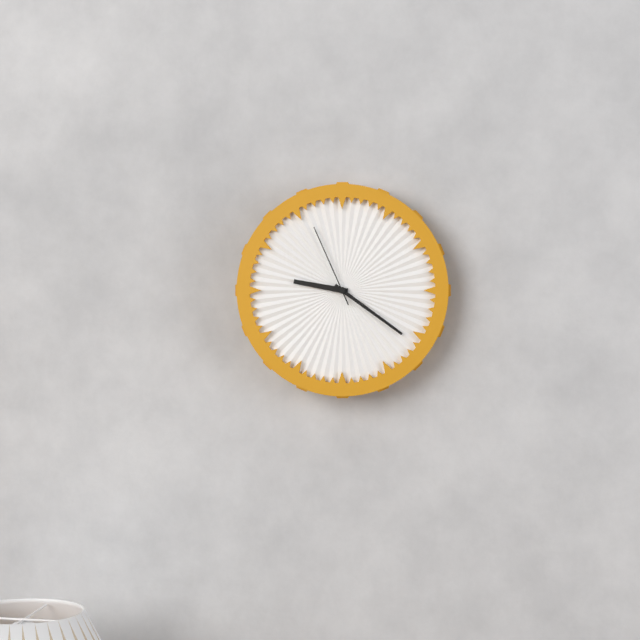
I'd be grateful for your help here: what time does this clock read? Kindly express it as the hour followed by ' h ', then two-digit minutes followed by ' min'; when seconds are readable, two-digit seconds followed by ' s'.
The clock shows 9 h 21 min 56 s
